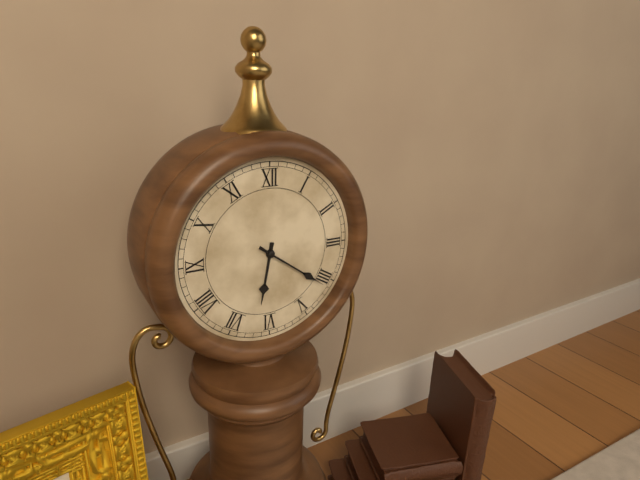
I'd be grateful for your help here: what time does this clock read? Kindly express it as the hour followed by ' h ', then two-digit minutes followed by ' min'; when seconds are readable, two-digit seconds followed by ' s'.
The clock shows 6 h 21 min
